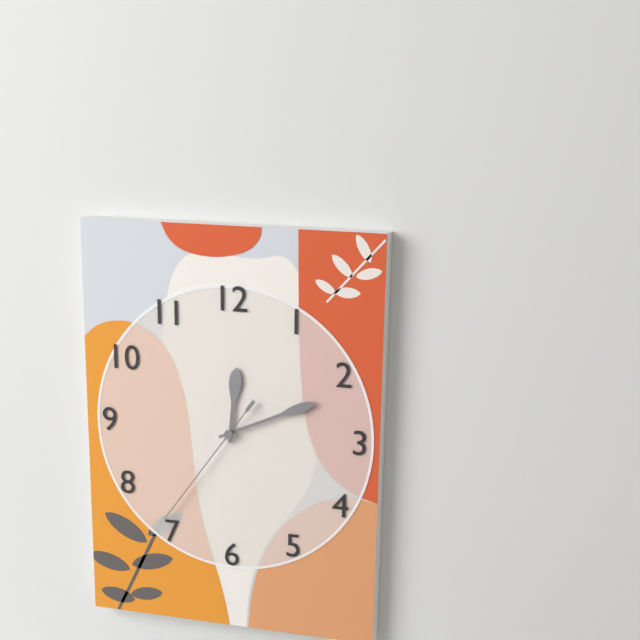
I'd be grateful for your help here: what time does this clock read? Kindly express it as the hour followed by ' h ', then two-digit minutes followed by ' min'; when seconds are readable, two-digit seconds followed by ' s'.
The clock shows 12 h 11 min 36 s
